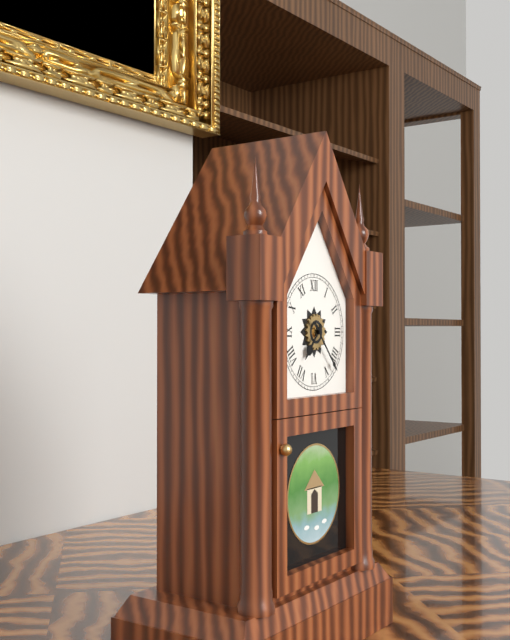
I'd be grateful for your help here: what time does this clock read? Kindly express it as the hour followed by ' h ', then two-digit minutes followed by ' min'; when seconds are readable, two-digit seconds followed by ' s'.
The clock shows 7 h 23 min
